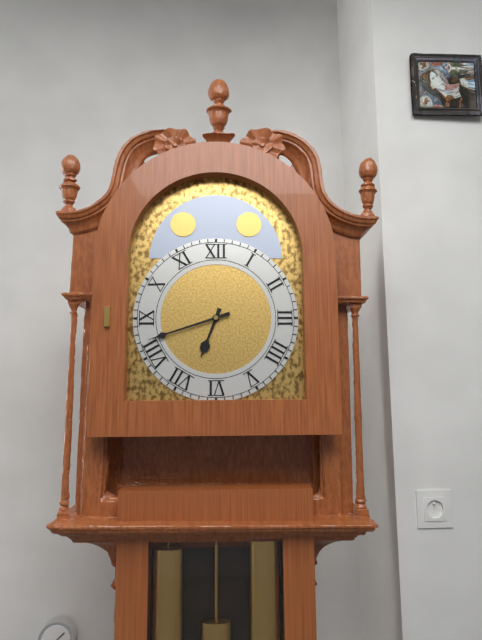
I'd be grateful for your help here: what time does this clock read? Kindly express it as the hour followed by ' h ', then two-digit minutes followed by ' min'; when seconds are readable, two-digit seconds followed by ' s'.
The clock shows 6 h 42 min
